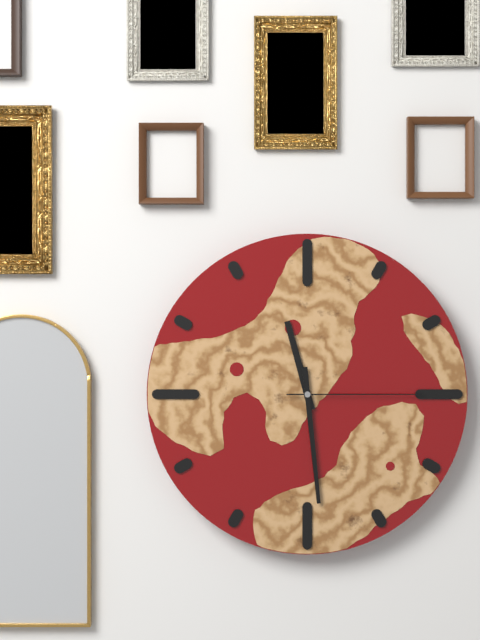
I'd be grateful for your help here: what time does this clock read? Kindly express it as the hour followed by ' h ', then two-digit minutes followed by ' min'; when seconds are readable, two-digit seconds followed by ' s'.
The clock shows 11 h 29 min 15 s
